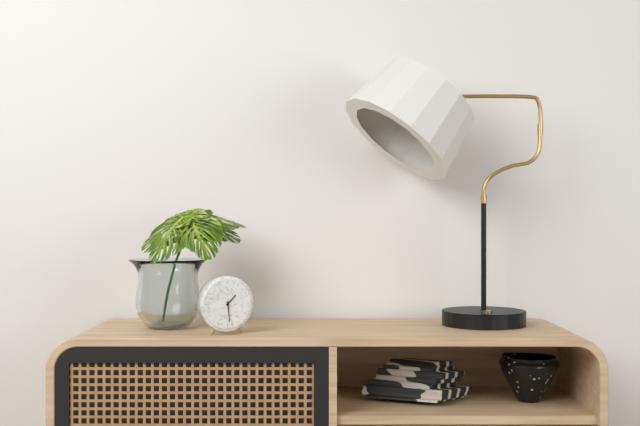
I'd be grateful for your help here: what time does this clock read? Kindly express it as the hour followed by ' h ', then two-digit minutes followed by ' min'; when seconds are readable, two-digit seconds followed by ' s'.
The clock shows 1 h 29 min
